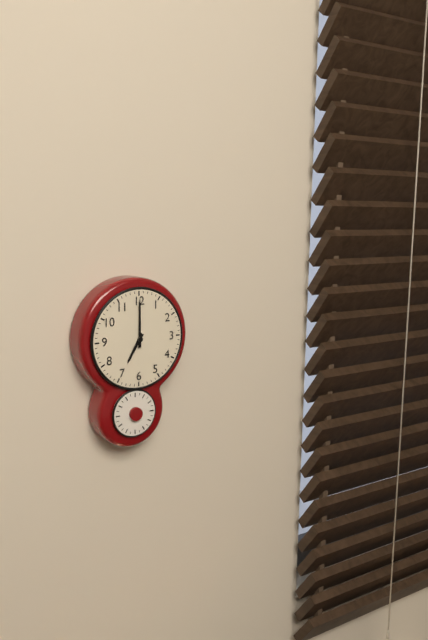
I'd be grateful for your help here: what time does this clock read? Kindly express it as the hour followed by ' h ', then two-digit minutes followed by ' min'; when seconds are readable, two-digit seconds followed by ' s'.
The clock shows 7 h 00 min
